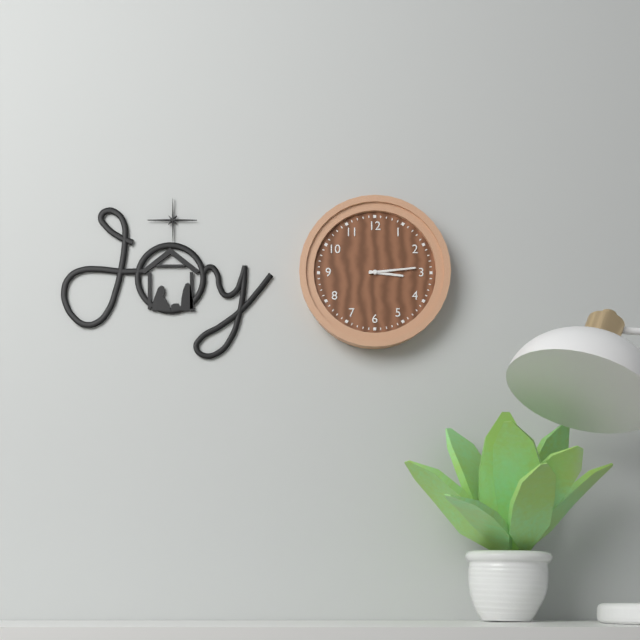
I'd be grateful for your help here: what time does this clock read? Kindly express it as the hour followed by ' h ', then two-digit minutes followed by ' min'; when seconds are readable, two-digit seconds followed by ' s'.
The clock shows 3 h 14 min
